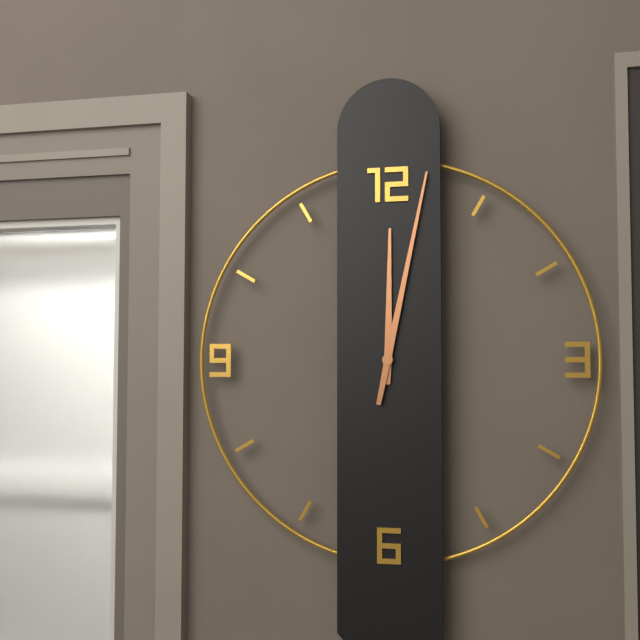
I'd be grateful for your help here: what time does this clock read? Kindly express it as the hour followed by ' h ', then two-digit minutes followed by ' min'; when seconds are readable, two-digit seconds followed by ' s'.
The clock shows 12 h 02 min
